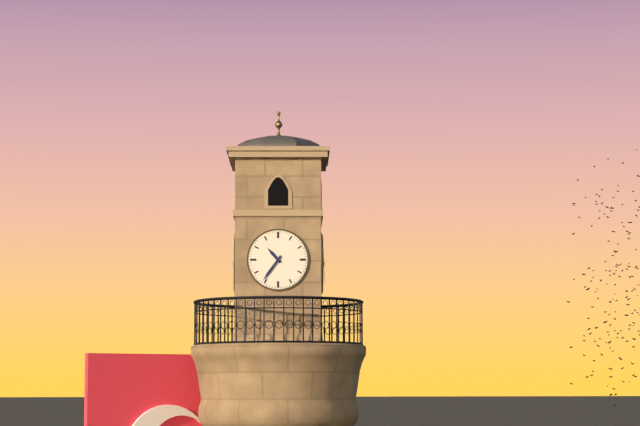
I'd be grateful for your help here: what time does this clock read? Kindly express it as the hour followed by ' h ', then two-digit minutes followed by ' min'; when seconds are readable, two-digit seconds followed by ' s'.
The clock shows 10 h 36 min
